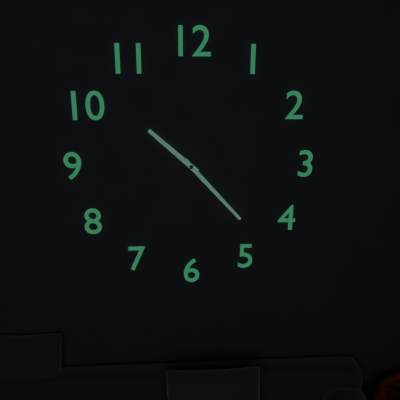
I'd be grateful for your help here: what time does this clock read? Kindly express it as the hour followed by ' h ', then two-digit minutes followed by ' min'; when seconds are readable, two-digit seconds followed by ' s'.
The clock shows 10 h 23 min
